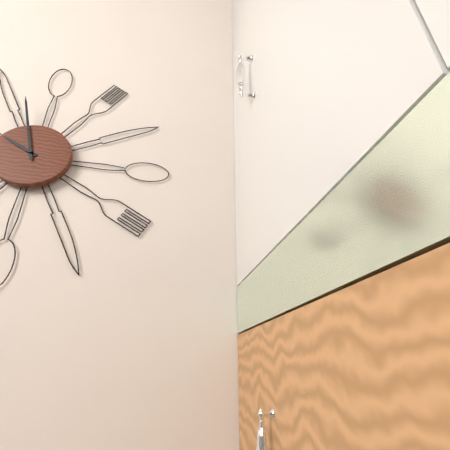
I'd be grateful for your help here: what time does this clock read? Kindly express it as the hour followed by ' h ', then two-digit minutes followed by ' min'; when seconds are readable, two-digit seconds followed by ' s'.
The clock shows 9 h 57 min
